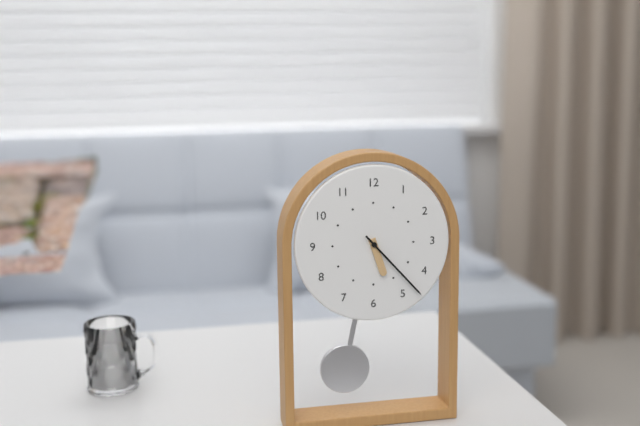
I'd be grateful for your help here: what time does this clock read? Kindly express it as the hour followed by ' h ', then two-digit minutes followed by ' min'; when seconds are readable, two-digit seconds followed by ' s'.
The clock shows 5 h 23 min
